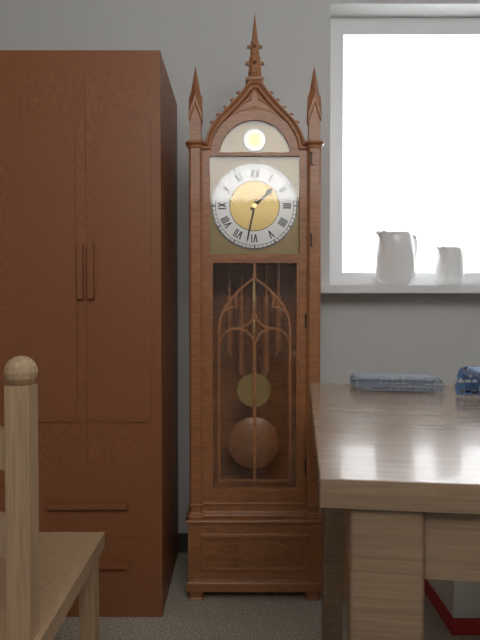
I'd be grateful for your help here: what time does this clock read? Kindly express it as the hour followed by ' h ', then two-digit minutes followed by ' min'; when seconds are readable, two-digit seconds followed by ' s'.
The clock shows 1 h 32 min
